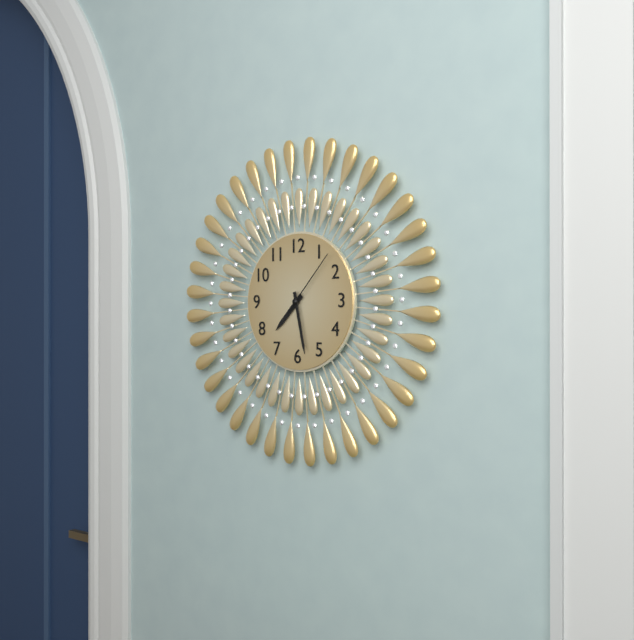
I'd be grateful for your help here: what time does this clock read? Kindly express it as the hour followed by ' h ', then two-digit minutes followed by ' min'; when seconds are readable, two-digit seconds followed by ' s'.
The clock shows 7 h 28 min 07 s
